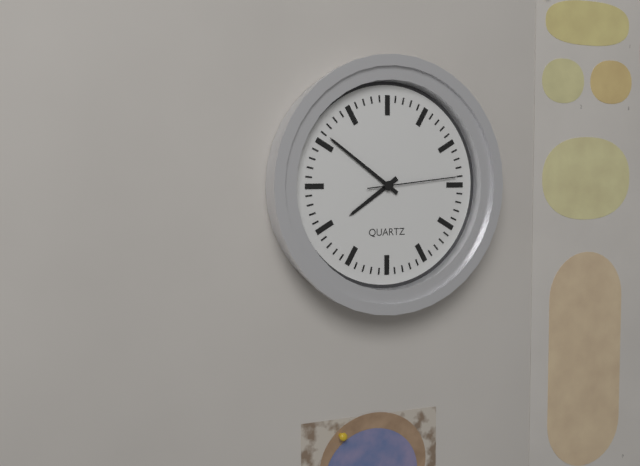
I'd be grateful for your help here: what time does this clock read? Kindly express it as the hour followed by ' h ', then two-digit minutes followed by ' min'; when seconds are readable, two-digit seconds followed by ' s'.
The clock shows 7 h 51 min 14 s
